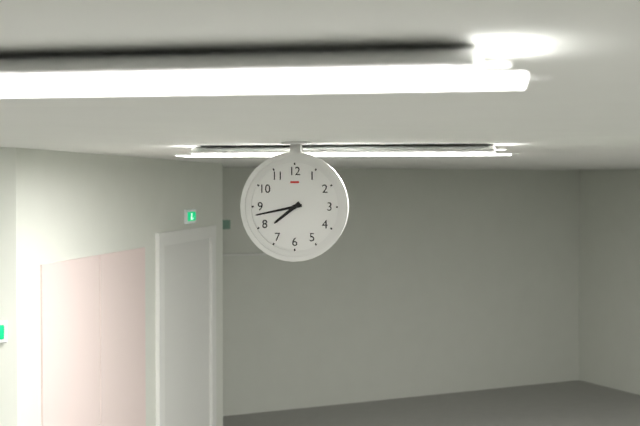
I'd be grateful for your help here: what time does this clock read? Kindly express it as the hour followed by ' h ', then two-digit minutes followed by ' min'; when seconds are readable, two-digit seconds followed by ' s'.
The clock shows 7 h 43 min
